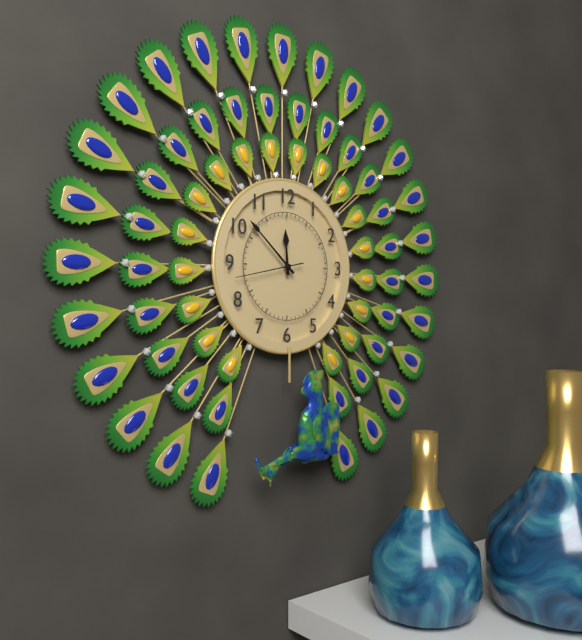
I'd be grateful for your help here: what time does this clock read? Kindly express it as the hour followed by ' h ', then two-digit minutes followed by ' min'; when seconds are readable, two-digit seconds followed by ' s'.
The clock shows 11 h 52 min 43 s
